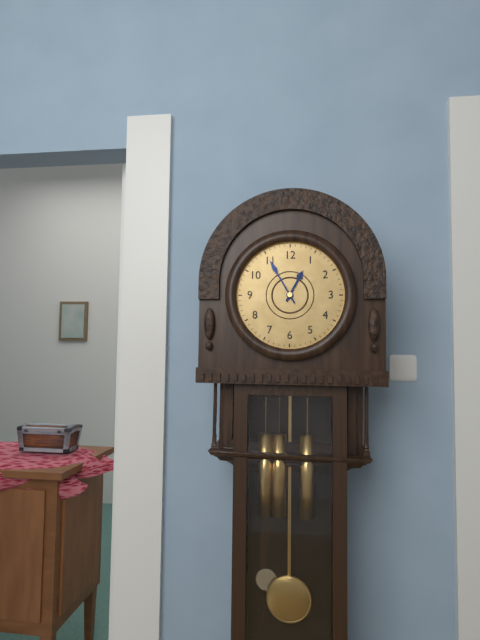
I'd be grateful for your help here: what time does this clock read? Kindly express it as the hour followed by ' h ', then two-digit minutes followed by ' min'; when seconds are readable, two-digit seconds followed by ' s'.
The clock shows 12 h 55 min
